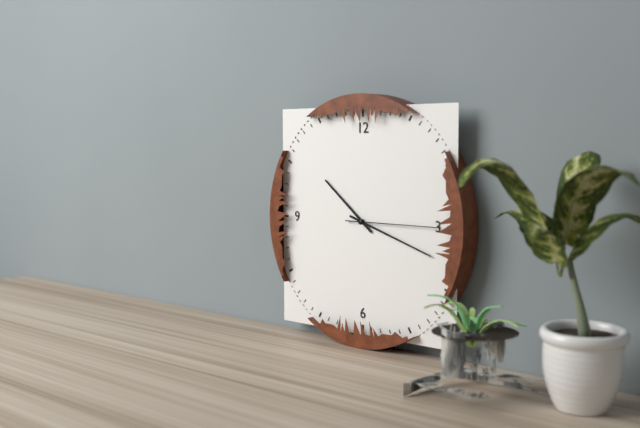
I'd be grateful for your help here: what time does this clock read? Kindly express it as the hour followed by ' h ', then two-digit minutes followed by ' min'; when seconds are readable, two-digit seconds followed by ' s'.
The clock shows 10 h 18 min 15 s
